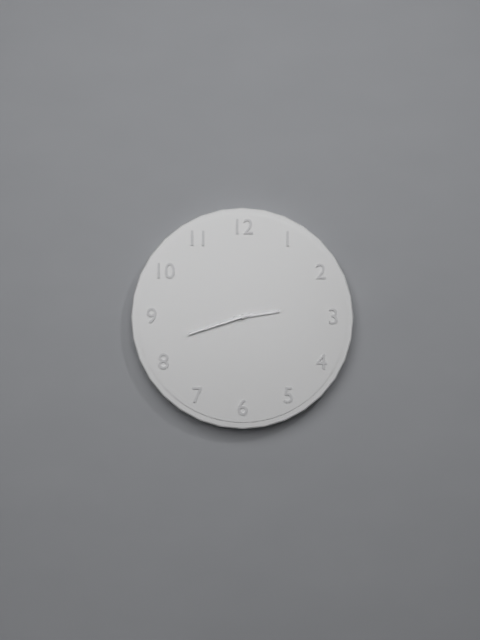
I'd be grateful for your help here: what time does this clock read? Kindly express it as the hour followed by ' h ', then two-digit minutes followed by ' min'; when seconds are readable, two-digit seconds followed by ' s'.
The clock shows 2 h 42 min
